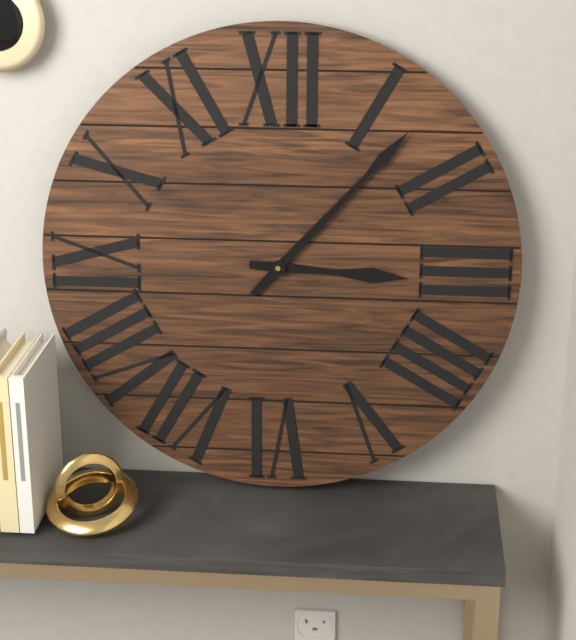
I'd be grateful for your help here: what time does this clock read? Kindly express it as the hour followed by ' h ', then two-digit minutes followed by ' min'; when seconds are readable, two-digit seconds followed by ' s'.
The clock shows 3 h 07 min
